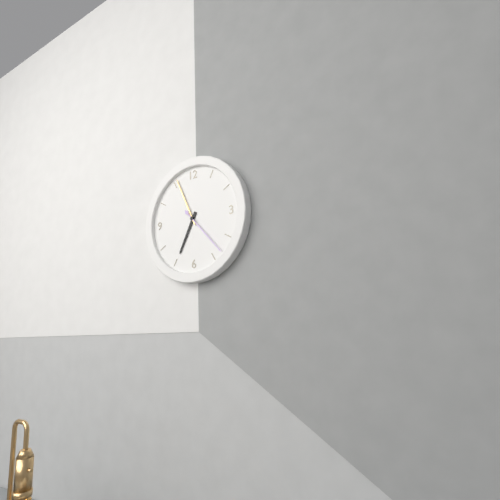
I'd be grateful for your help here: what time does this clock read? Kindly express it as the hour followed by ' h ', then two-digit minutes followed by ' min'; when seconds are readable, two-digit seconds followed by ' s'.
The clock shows 6 h 56 min 23 s
